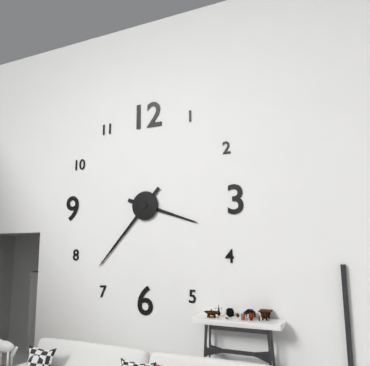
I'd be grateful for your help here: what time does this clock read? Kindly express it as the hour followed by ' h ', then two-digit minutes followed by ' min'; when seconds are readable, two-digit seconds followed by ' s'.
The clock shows 3 h 37 min
